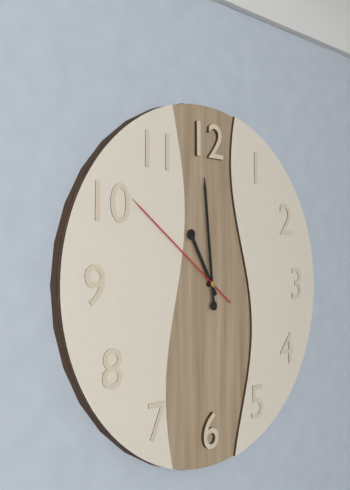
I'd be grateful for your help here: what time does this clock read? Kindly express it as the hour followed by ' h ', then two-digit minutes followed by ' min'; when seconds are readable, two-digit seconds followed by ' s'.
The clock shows 10 h 59 min 51 s
